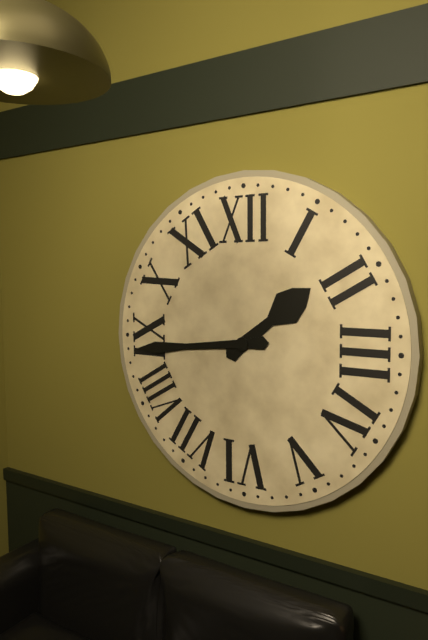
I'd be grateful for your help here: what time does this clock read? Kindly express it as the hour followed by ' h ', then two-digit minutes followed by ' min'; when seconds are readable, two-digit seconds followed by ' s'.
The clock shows 1 h 44 min
